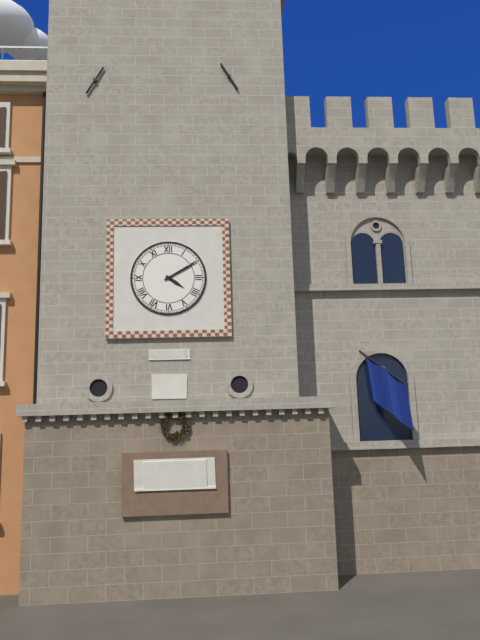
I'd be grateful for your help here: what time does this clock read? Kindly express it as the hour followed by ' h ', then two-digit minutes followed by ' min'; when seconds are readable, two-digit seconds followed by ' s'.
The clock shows 4 h 10 min
